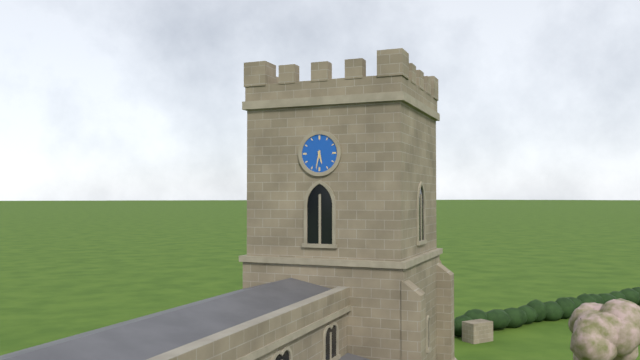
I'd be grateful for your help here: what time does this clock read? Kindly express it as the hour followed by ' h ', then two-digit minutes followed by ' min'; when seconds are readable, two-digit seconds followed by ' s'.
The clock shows 5 h 32 min
